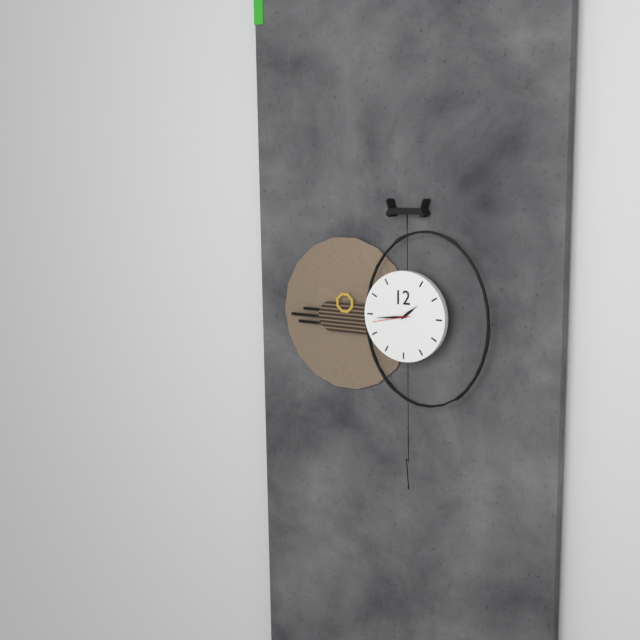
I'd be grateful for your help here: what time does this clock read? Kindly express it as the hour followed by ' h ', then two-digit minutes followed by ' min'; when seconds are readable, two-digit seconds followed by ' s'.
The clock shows 1 h 44 min
